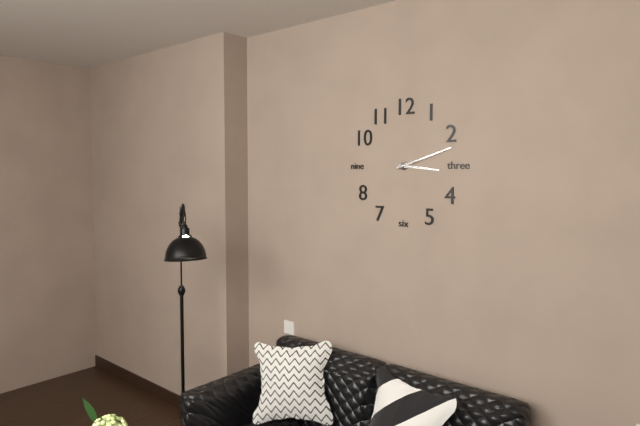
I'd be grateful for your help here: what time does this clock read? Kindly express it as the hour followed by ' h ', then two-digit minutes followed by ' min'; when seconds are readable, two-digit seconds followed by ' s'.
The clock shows 3 h 12 min
